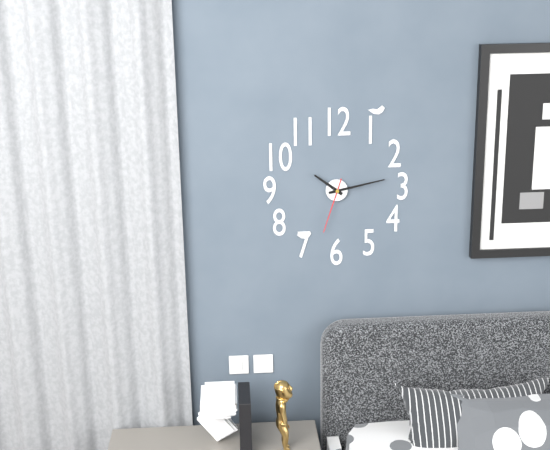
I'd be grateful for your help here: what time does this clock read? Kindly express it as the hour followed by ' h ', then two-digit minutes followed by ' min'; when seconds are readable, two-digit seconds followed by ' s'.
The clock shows 10 h 13 min 33 s
